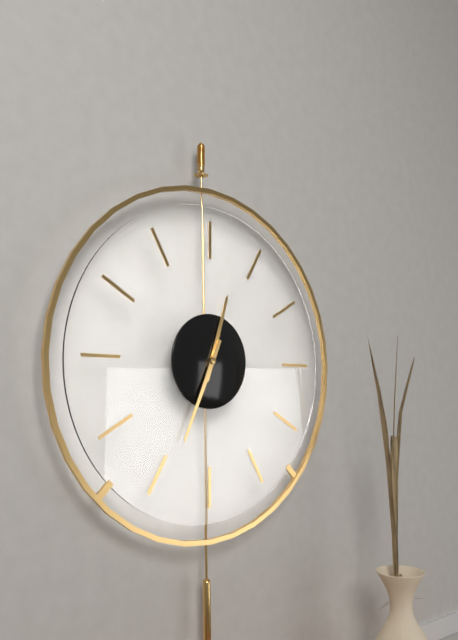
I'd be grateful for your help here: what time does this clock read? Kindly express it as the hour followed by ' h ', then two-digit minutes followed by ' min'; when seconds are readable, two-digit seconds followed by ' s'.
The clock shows 12 h 34 min
